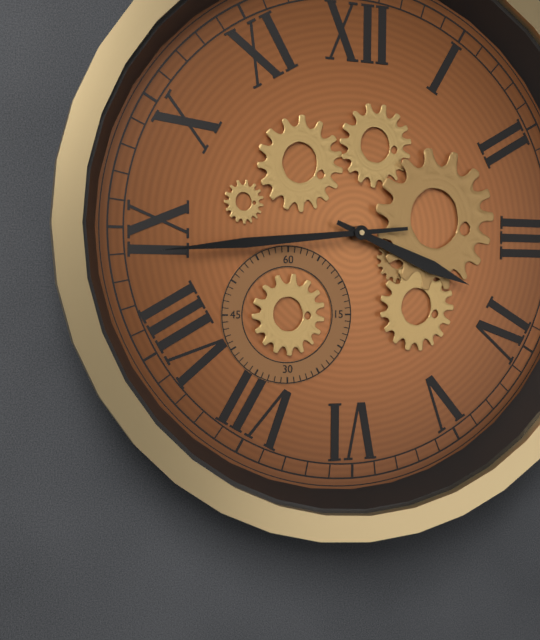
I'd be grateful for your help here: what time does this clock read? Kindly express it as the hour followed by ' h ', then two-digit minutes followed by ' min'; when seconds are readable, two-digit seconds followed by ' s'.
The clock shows 3 h 44 min
